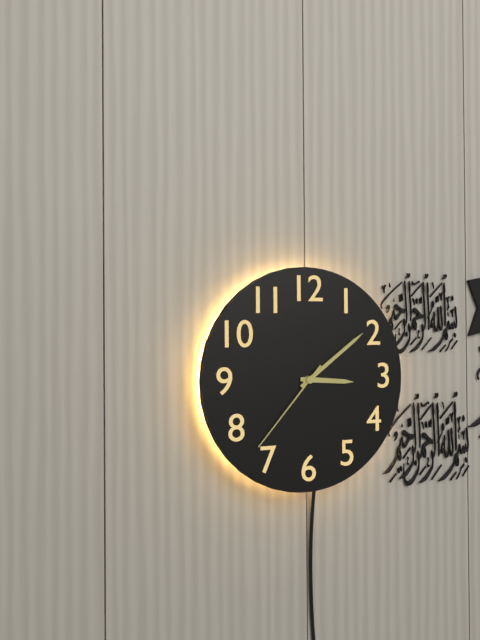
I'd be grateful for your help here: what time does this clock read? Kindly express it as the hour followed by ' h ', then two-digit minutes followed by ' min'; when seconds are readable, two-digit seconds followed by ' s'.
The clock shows 3 h 09 min 37 s
